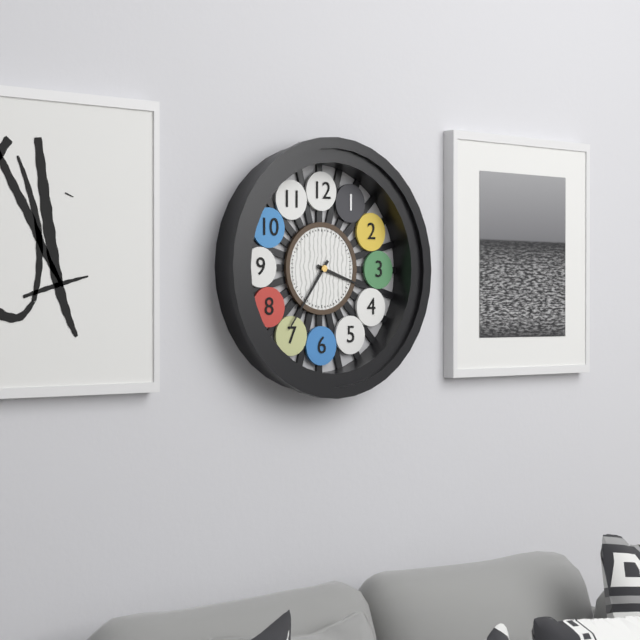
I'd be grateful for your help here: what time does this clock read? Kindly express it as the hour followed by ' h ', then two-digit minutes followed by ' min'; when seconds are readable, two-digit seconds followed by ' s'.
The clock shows 3 h 36 min
